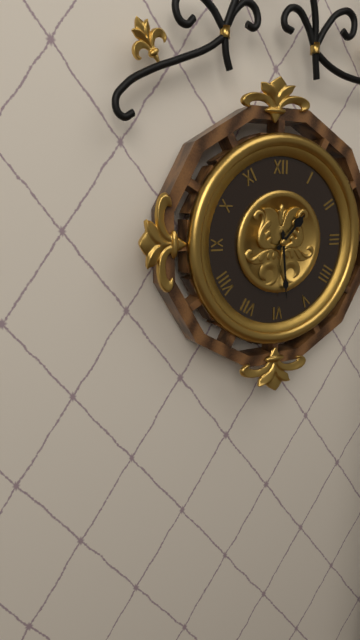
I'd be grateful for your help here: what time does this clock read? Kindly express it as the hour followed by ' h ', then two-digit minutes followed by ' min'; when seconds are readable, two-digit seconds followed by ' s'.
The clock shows 1 h 29 min
